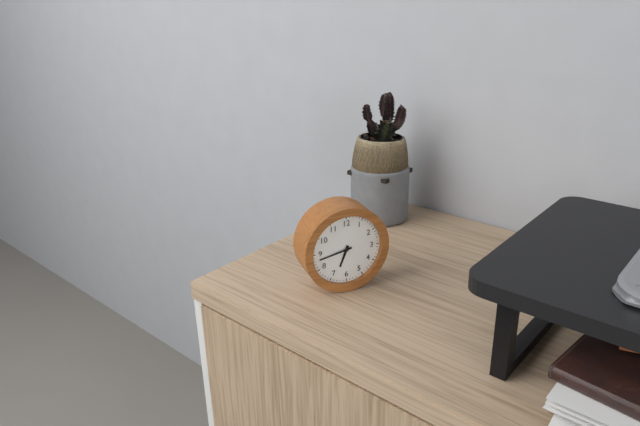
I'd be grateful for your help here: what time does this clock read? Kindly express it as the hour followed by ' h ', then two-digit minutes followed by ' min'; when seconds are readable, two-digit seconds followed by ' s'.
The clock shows 6 h 43 min
